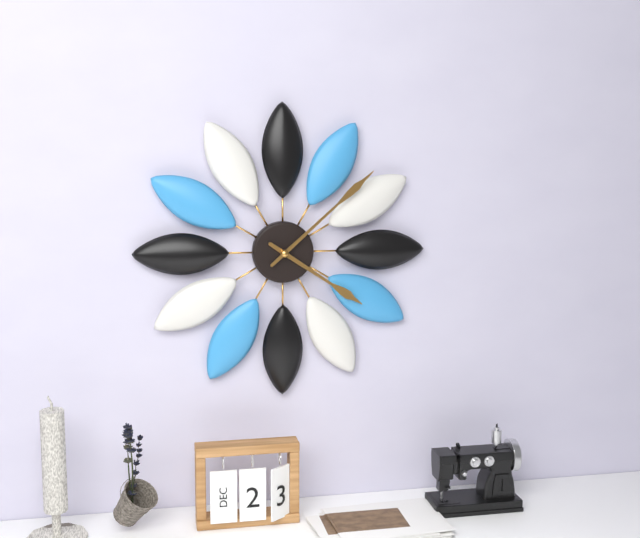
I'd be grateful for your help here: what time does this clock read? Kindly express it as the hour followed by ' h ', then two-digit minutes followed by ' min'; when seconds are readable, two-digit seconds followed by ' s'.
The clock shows 4 h 08 min
